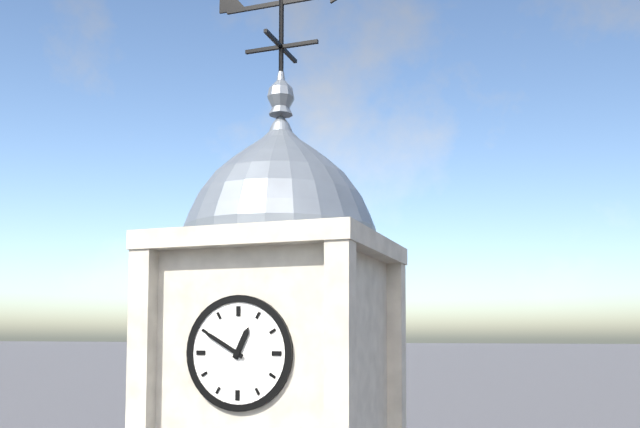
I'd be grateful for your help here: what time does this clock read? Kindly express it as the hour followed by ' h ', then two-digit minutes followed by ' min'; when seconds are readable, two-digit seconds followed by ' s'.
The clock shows 12 h 50 min
